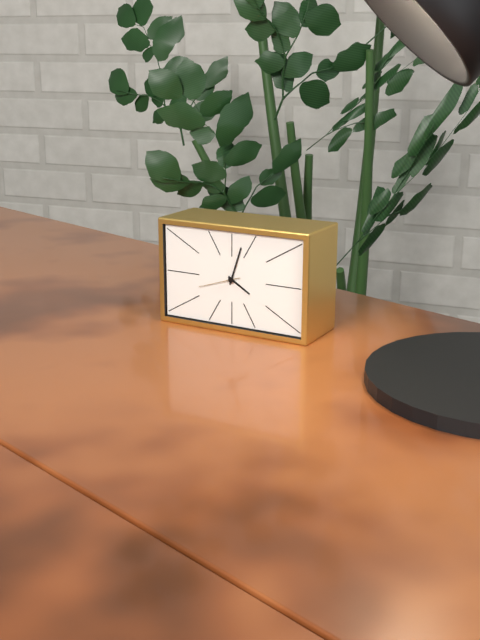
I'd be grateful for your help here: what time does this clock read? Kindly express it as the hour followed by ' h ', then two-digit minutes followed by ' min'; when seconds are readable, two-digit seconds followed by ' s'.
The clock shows 4 h 03 min
